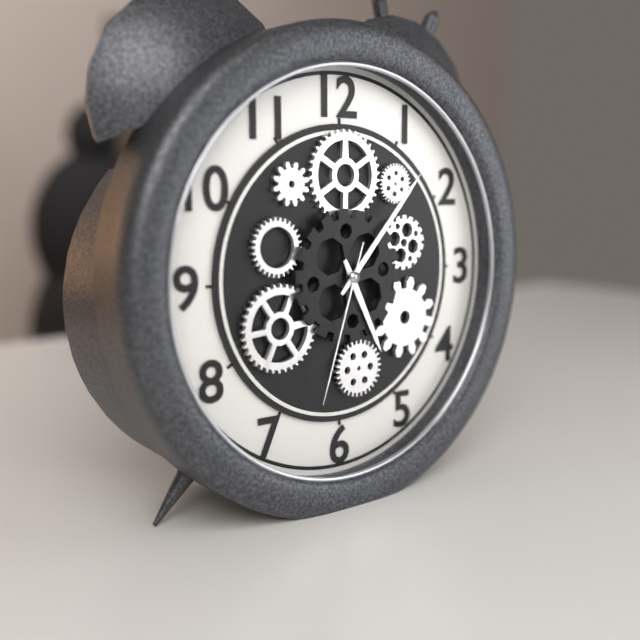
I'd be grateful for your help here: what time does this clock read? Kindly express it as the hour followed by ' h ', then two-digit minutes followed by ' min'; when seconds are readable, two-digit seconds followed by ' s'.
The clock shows 5 h 07 min 33 s
